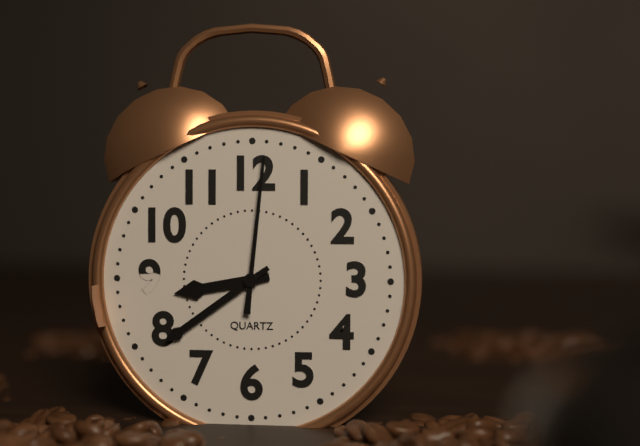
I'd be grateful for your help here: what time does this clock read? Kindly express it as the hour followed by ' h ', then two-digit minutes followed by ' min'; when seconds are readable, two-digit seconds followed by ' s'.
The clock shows 8 h 39 min 01 s
